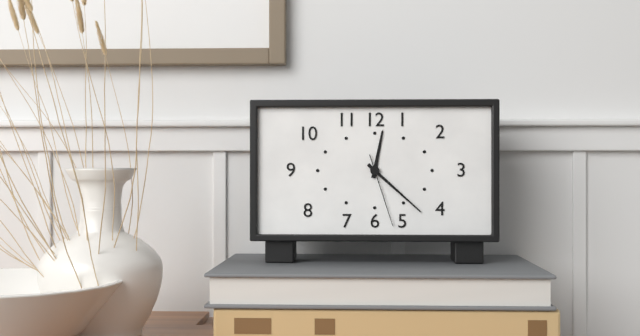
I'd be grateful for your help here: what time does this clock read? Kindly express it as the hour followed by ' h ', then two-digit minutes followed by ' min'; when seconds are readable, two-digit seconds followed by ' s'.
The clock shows 12 h 22 min 27 s
